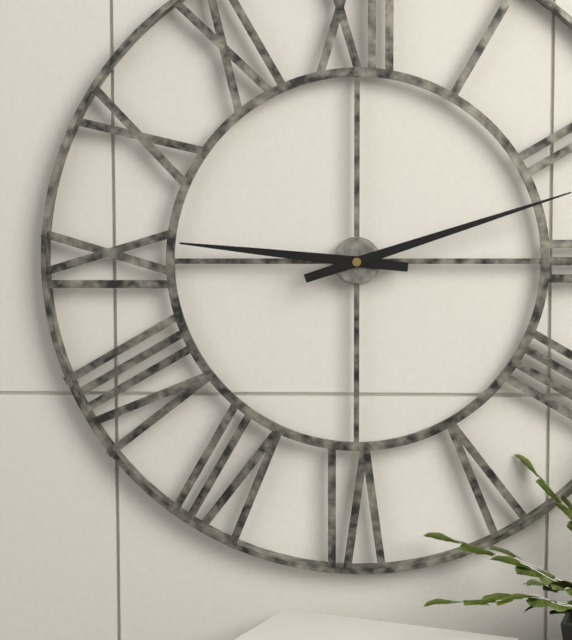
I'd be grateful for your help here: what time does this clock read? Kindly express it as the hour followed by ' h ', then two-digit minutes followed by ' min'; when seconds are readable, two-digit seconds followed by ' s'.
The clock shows 9 h 12 min
